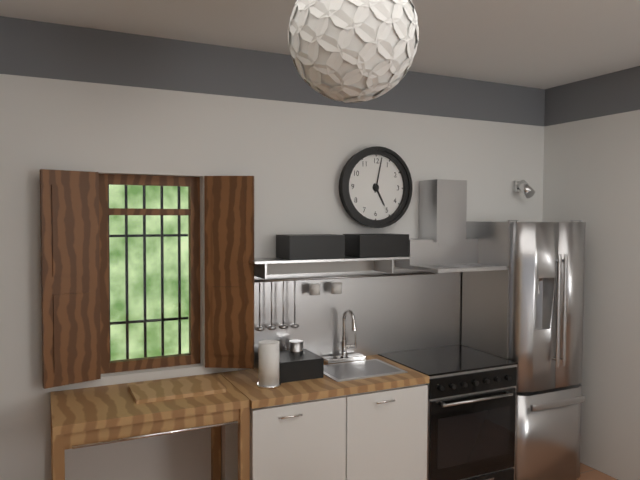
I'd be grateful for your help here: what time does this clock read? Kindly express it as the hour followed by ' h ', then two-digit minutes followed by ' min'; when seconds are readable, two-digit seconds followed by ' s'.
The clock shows 5 h 02 min
